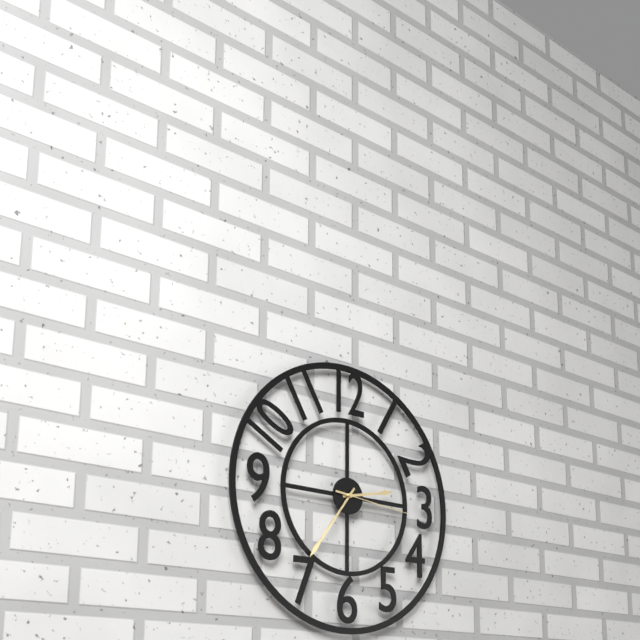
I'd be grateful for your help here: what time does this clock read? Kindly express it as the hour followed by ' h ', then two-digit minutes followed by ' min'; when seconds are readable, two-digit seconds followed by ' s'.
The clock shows 2 h 36 min 16 s
